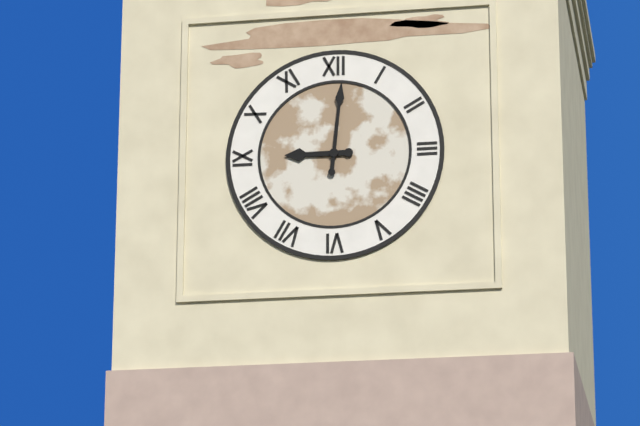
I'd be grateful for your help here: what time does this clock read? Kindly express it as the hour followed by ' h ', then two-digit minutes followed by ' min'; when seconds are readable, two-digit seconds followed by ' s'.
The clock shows 9 h 01 min
